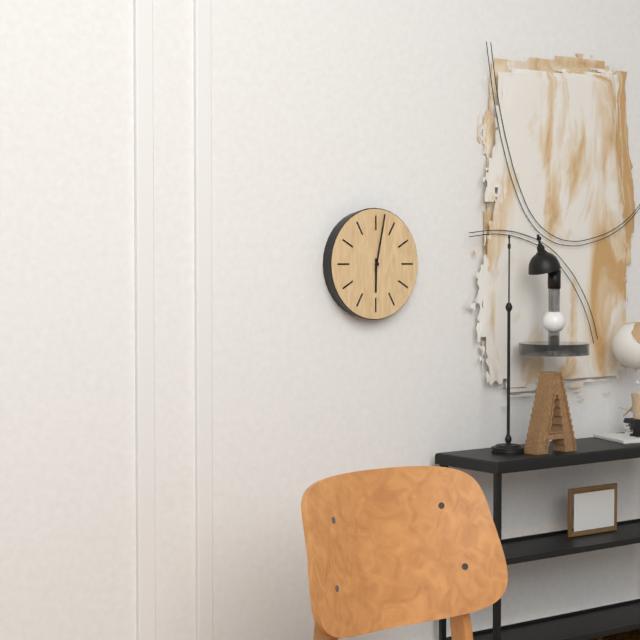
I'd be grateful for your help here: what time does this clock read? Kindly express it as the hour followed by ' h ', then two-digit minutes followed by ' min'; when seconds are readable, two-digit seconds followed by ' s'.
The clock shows 6 h 02 min
